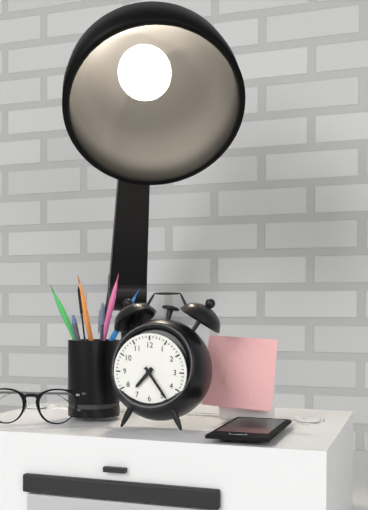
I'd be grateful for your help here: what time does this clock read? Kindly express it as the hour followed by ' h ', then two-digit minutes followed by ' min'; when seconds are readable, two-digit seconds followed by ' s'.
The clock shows 7 h 24 min
